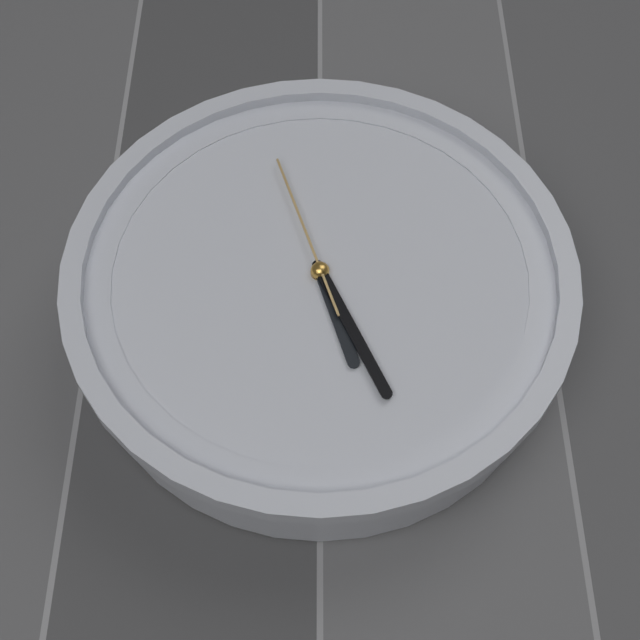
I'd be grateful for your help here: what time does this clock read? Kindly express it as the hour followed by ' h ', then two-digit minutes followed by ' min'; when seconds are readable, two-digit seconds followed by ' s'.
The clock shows 5 h 26 min 57 s
